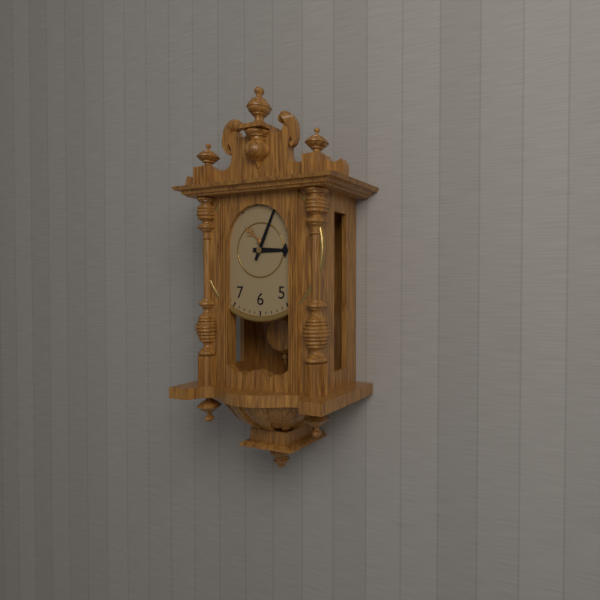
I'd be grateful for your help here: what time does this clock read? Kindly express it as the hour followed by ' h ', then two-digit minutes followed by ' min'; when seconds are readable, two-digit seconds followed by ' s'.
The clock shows 3 h 04 min
